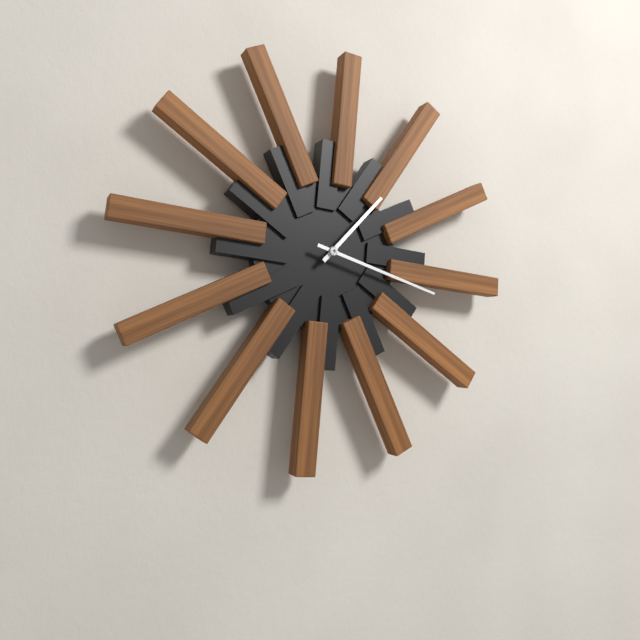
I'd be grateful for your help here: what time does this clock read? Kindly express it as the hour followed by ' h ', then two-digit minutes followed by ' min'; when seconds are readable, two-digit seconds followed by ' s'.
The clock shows 1 h 17 min
